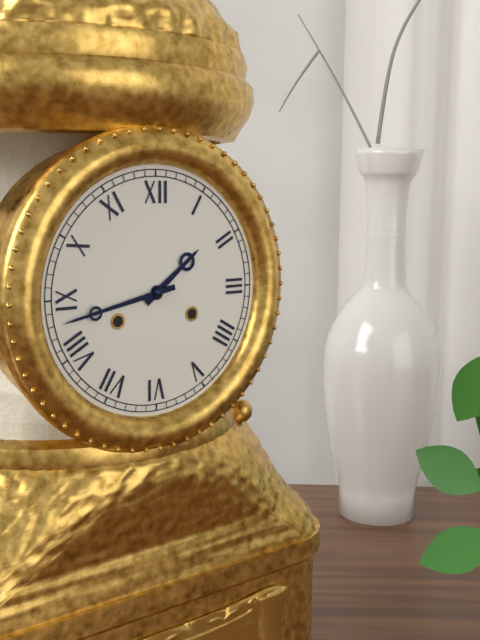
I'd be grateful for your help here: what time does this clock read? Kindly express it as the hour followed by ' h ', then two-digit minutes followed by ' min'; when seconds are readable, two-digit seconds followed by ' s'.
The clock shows 1 h 43 min
